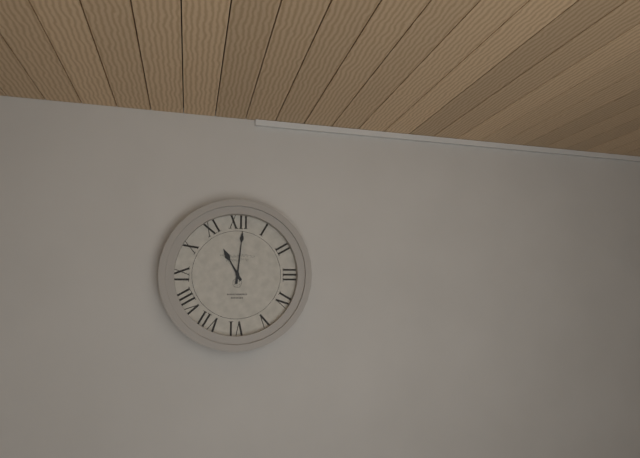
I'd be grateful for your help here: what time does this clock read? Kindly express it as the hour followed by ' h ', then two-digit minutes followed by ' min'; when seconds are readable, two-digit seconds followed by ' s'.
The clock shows 11 h 01 min
